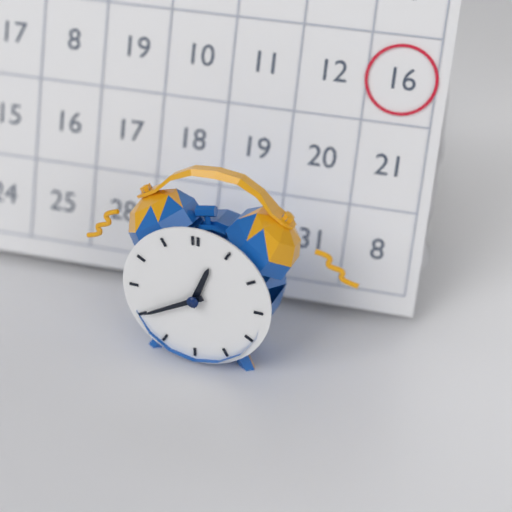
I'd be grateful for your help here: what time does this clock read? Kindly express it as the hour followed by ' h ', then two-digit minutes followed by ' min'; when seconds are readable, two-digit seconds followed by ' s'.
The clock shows 12 h 40 min
